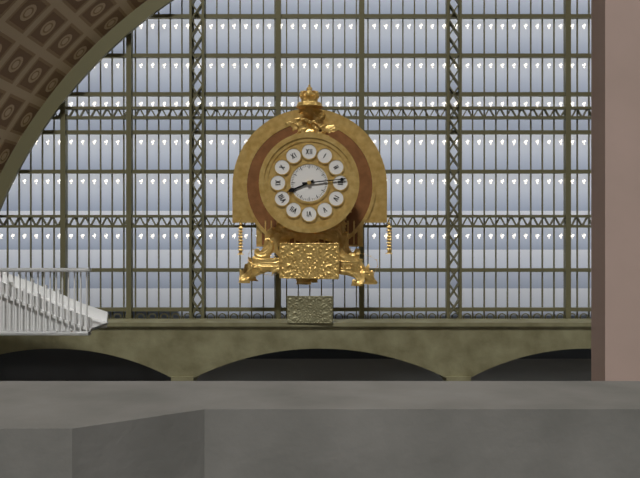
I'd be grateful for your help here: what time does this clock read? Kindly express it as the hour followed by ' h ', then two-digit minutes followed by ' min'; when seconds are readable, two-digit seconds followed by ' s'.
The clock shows 8 h 14 min
